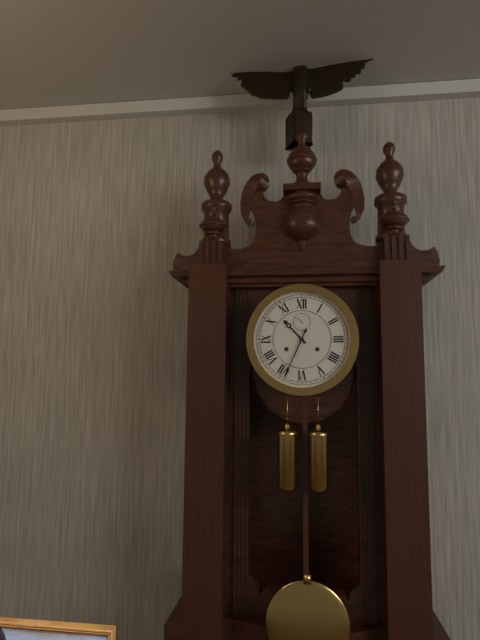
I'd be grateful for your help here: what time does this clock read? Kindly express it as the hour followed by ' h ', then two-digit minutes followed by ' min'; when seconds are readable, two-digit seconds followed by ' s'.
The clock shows 10 h 34 min
